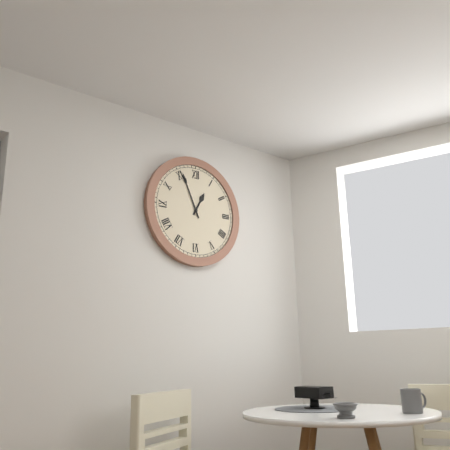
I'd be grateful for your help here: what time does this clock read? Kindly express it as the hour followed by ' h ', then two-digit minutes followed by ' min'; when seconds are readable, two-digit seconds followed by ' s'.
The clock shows 12 h 56 min
